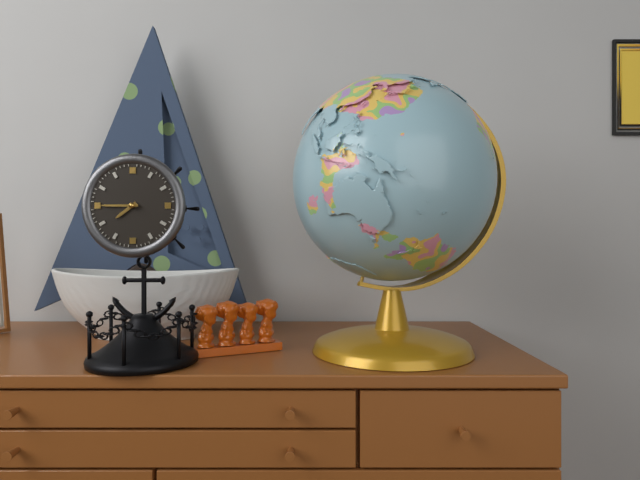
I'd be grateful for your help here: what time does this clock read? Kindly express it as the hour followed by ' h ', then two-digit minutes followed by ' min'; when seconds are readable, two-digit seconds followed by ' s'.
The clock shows 7 h 45 min
